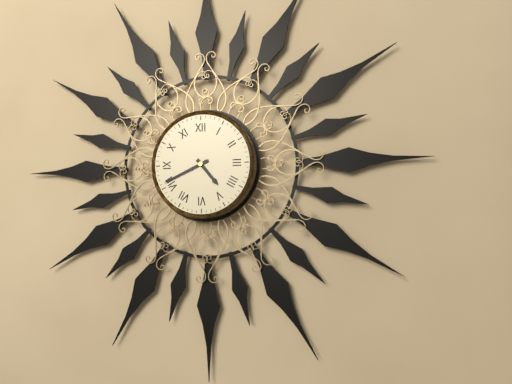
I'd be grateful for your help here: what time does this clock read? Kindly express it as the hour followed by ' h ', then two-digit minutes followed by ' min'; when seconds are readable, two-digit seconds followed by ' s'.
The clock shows 4 h 41 min
